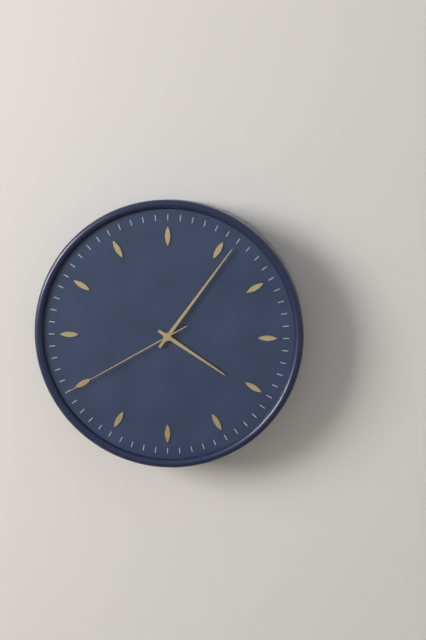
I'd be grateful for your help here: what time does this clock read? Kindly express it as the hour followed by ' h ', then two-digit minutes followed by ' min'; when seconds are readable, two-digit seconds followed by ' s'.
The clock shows 4 h 06 min 40 s
